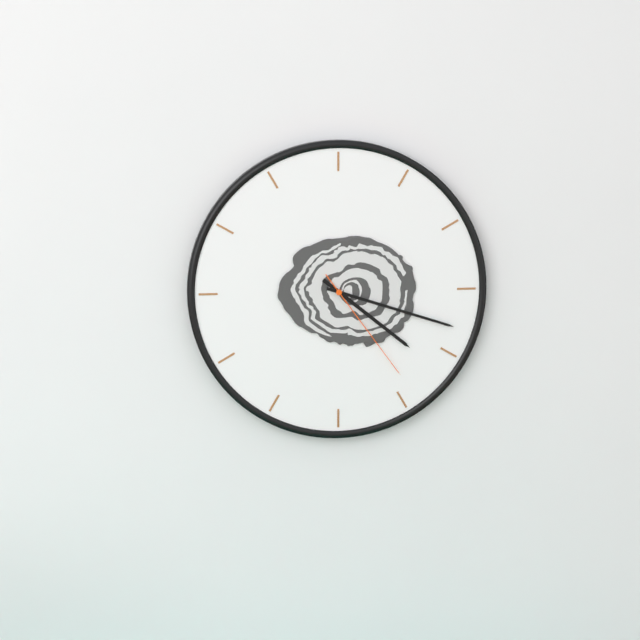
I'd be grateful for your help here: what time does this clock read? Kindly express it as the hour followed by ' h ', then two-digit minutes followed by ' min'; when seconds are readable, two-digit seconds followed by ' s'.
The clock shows 4 h 18 min 24 s
